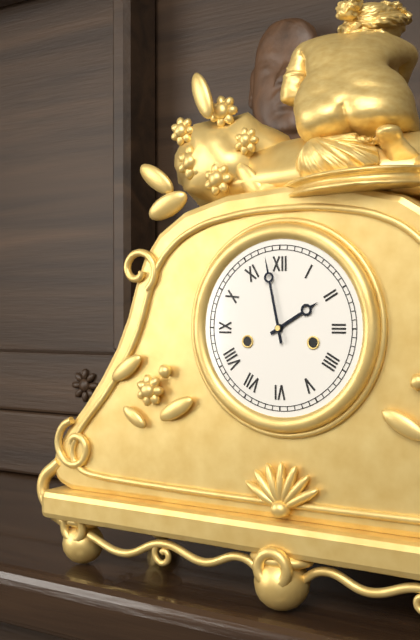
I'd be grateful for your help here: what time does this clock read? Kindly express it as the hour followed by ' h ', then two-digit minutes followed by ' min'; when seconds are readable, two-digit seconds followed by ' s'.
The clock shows 1 h 58 min
